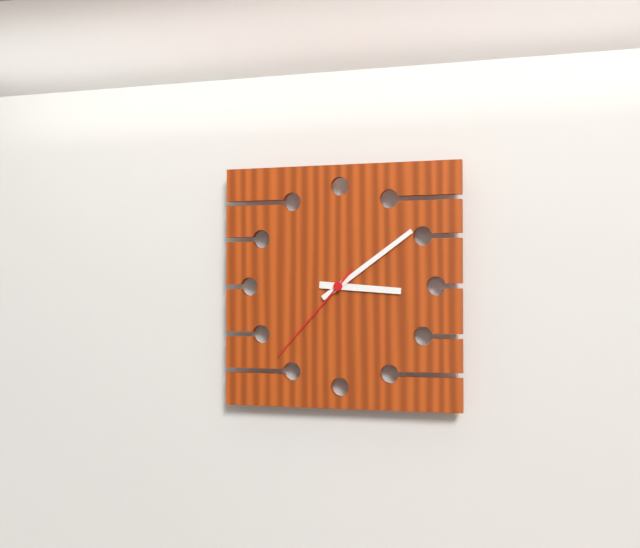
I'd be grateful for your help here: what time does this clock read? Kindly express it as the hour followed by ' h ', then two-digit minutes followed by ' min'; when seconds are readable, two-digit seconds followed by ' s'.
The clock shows 3 h 09 min 37 s
